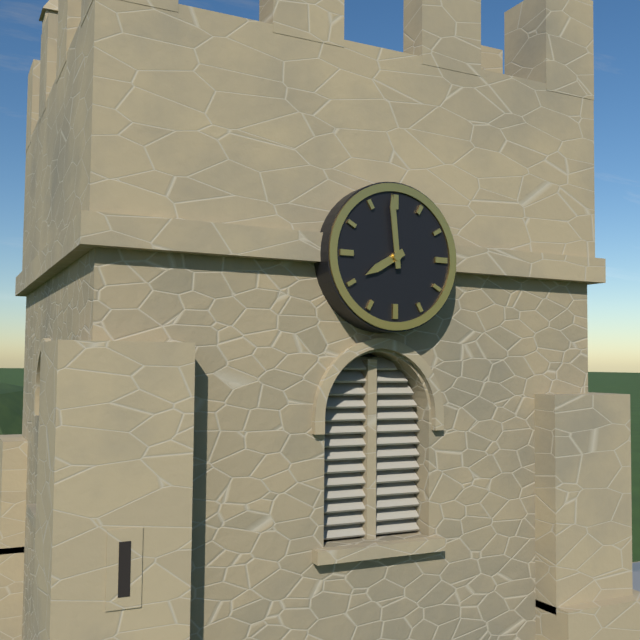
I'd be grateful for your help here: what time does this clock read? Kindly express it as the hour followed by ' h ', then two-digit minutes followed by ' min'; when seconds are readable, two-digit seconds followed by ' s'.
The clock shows 7 h 59 min
